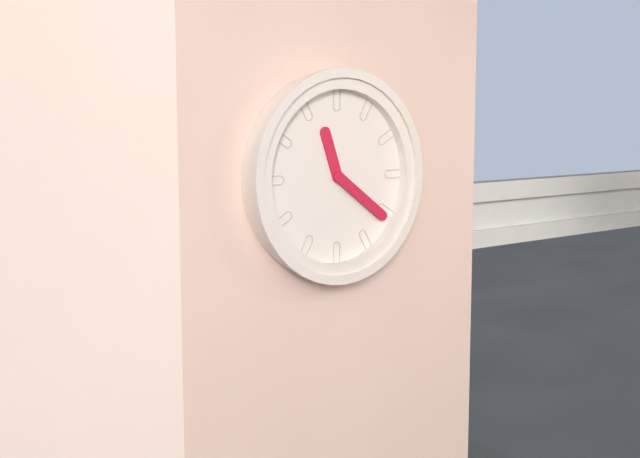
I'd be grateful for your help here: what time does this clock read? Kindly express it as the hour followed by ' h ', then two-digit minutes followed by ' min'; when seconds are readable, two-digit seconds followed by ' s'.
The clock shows 11 h 21 min
